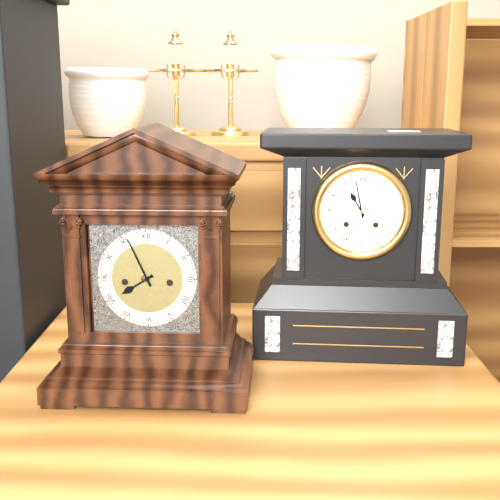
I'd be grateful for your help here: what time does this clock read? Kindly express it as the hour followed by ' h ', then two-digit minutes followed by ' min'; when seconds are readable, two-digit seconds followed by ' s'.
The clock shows 7 h 56 min
